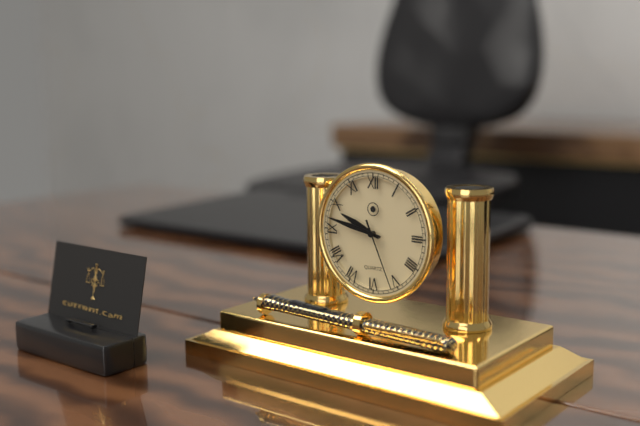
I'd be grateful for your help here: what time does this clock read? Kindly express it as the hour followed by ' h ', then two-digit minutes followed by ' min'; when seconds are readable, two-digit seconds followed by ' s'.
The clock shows 9 h 47 min 26 s
